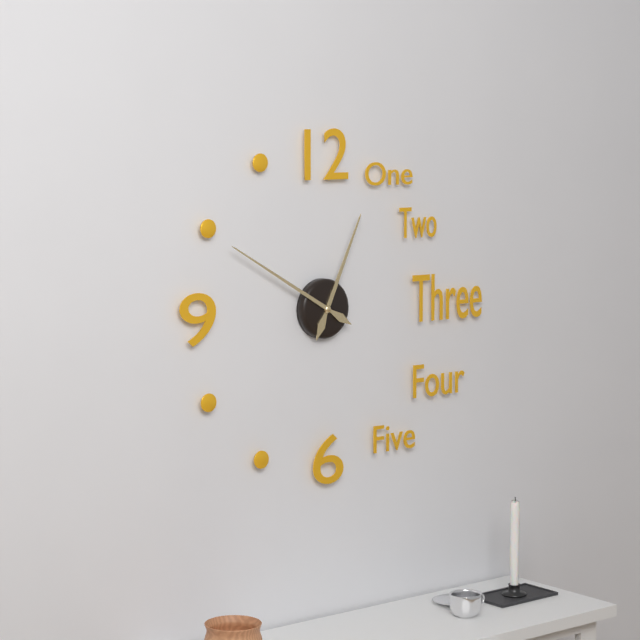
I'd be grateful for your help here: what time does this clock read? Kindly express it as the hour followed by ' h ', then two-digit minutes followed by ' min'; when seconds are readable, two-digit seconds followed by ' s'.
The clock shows 12 h 50 min
